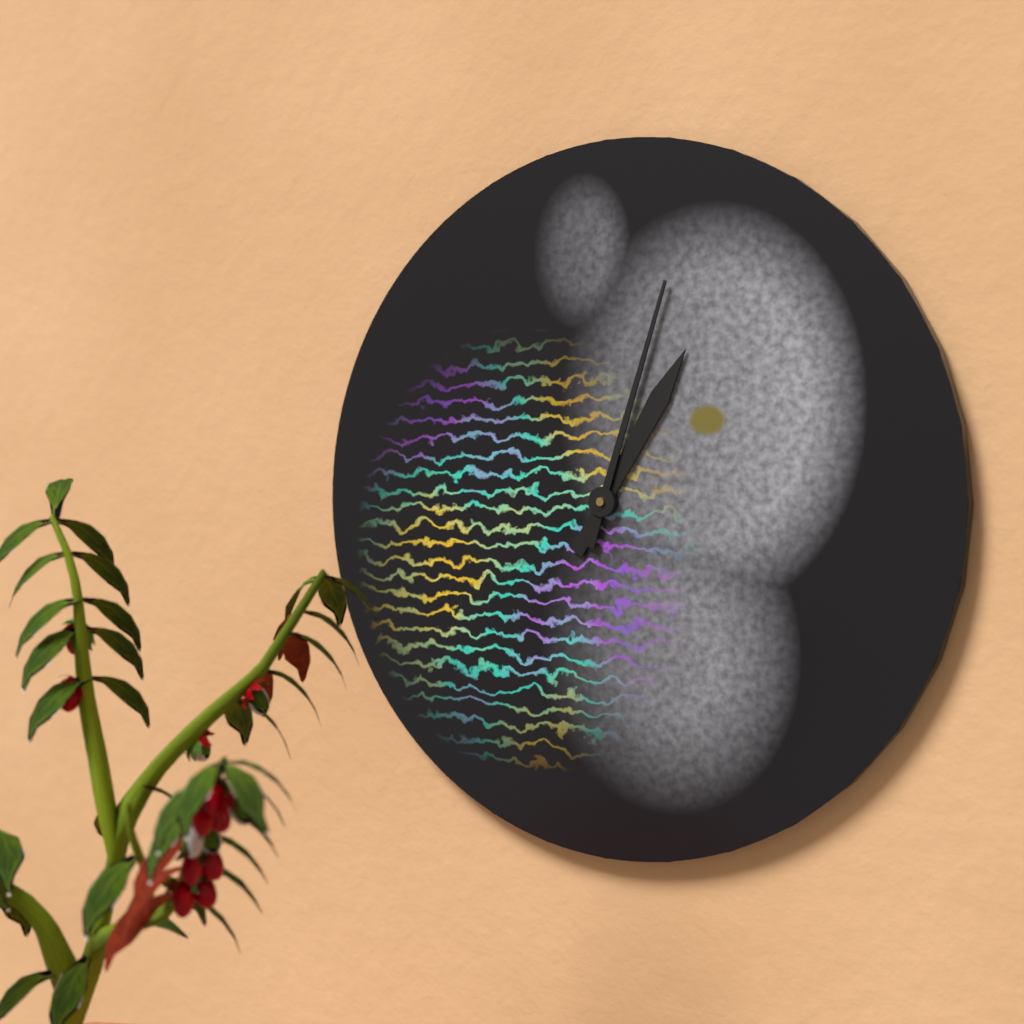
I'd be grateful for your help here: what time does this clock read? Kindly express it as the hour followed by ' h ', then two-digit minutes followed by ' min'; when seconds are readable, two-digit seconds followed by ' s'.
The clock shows 1 h 03 min
